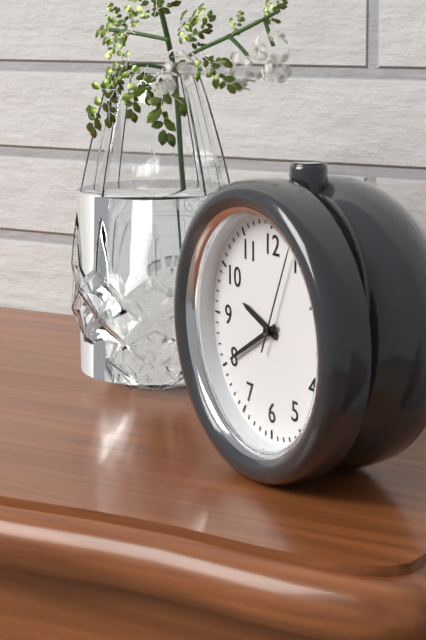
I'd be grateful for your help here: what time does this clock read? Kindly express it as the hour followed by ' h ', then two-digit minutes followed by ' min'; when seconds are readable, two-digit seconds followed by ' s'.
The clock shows 9 h 40 min 04 s
